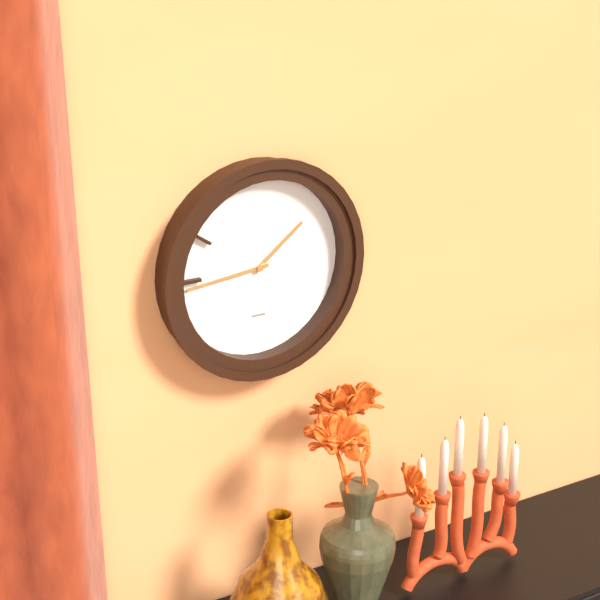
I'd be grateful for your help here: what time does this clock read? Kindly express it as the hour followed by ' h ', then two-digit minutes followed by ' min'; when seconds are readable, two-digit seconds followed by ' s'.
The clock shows 1 h 44 min
